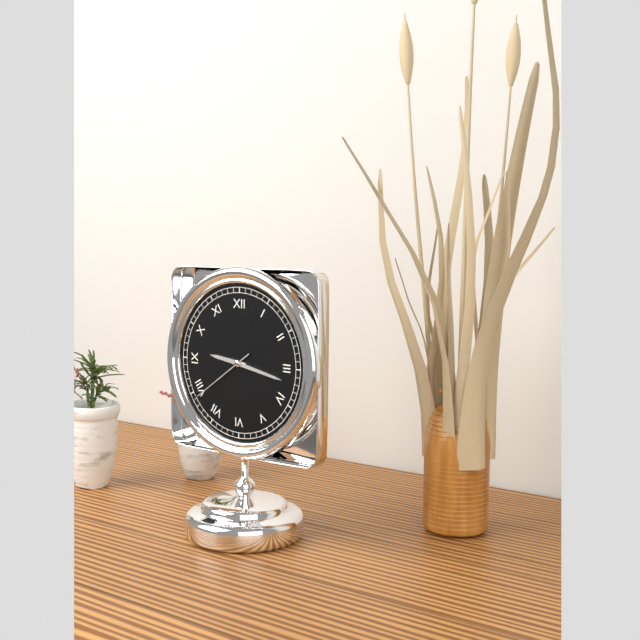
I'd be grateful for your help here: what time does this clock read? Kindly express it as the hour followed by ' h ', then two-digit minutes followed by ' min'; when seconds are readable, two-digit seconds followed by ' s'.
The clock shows 9 h 17 min 39 s
